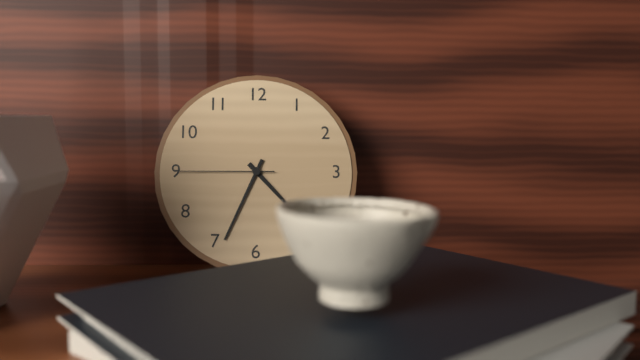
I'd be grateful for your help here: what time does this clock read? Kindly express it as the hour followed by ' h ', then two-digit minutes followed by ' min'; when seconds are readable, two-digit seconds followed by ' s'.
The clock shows 4 h 34 min 45 s
